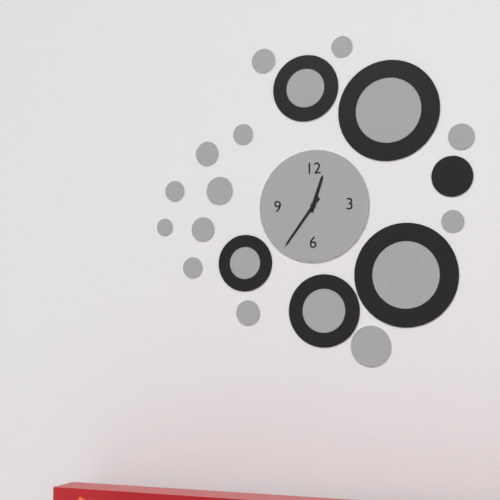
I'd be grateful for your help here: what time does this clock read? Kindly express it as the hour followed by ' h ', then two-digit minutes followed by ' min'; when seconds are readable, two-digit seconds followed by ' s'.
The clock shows 12 h 36 min
